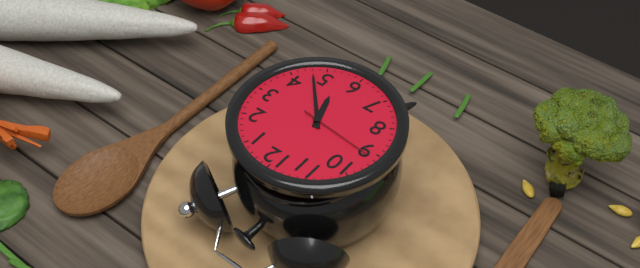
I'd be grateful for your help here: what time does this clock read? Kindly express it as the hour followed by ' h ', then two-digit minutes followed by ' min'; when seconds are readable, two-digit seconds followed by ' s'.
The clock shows 5 h 23 min 46 s
